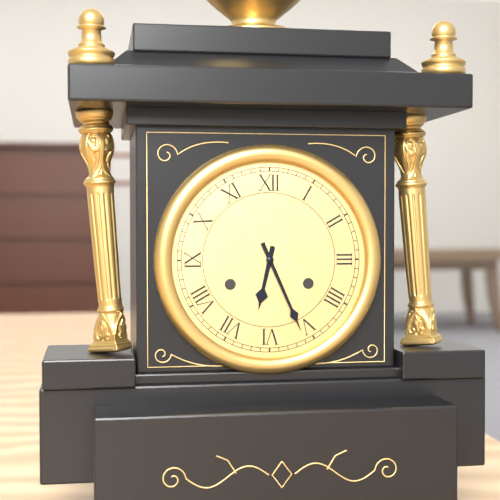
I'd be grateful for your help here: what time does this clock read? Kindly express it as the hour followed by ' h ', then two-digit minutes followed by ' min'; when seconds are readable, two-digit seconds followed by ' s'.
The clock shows 6 h 26 min
